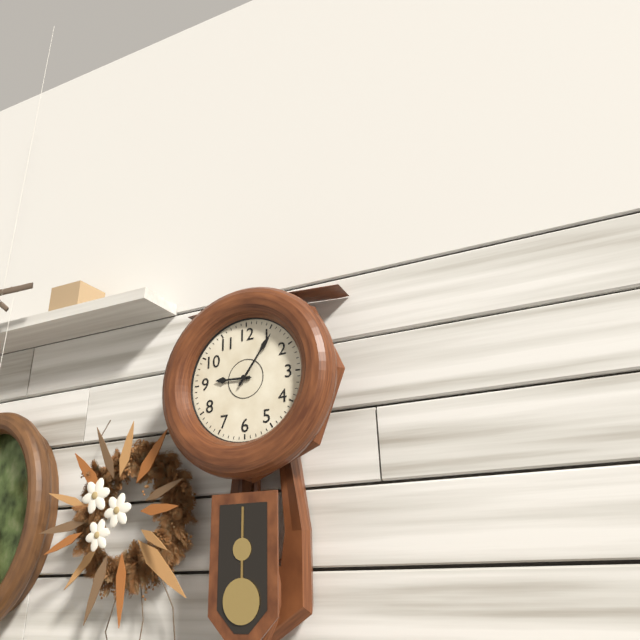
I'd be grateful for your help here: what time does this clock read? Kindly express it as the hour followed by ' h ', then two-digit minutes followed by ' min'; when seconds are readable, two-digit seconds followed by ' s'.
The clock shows 9 h 06 min
